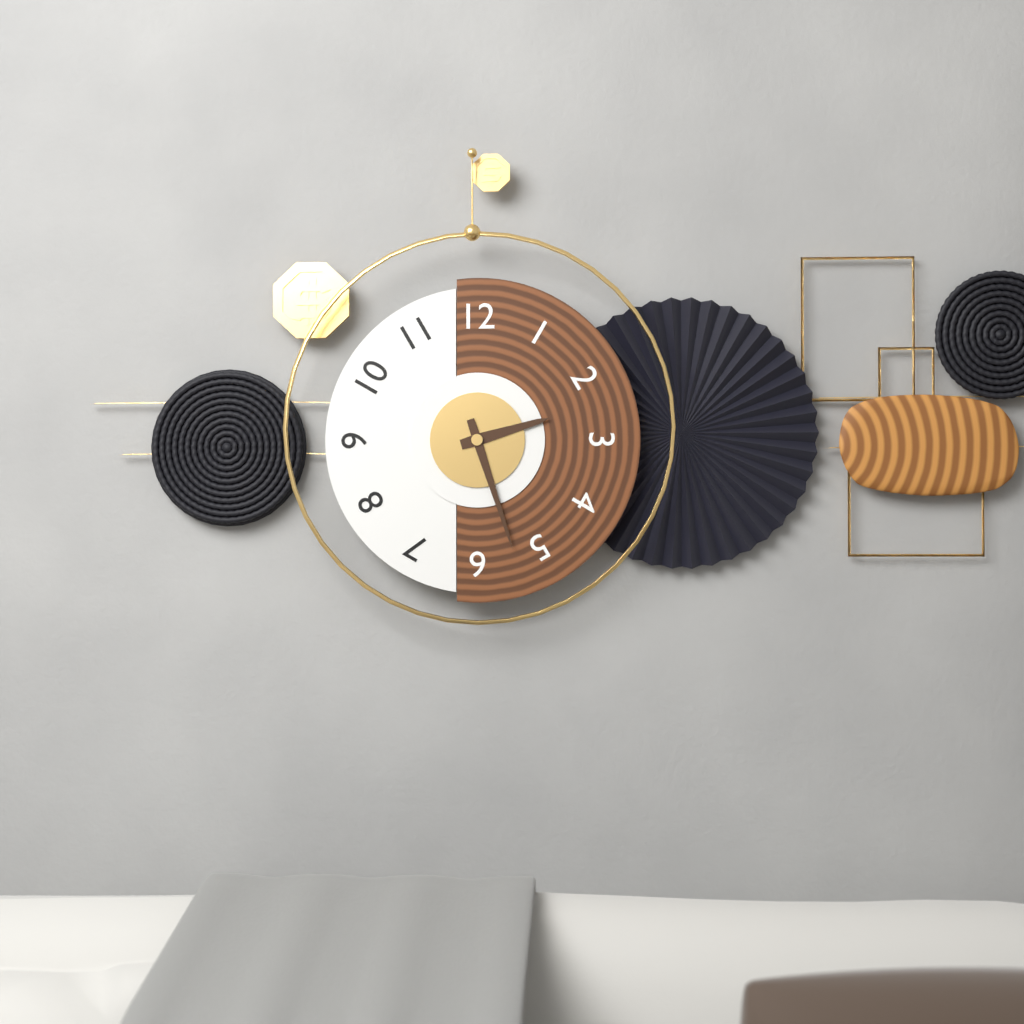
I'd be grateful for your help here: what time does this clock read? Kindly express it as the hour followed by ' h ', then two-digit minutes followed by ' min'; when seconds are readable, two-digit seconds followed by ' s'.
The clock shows 2 h 27 min
